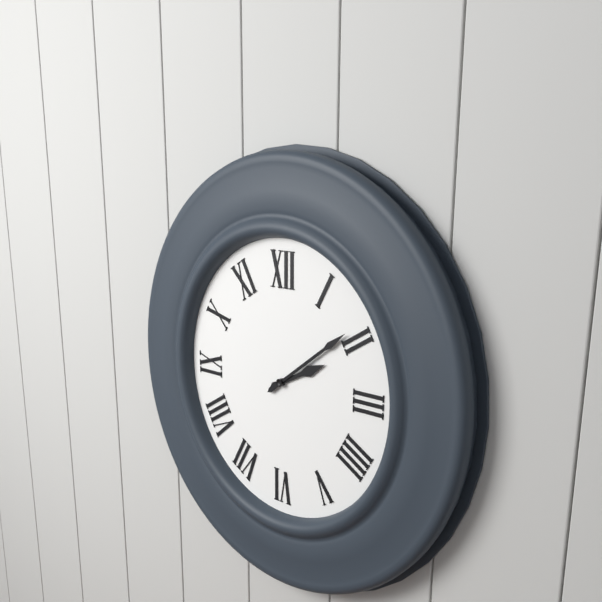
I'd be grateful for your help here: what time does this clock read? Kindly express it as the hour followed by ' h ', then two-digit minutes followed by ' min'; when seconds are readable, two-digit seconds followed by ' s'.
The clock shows 2 h 09 min
